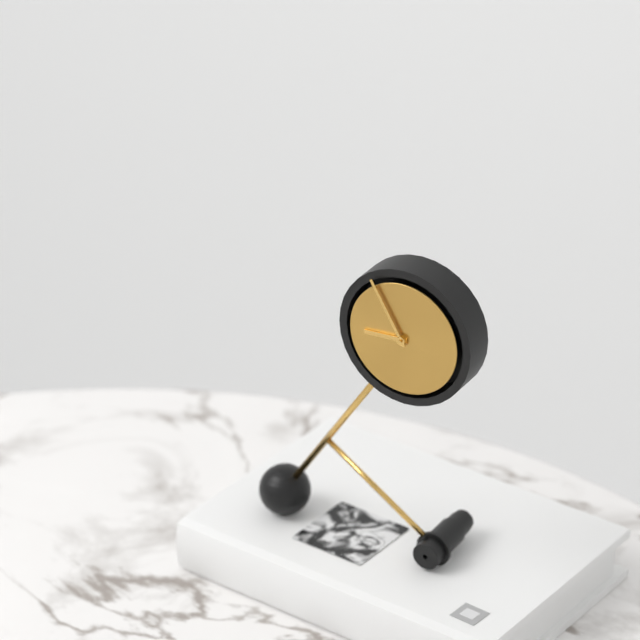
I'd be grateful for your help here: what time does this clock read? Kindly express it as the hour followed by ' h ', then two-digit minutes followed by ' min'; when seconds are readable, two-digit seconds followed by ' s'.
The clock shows 8 h 55 min
